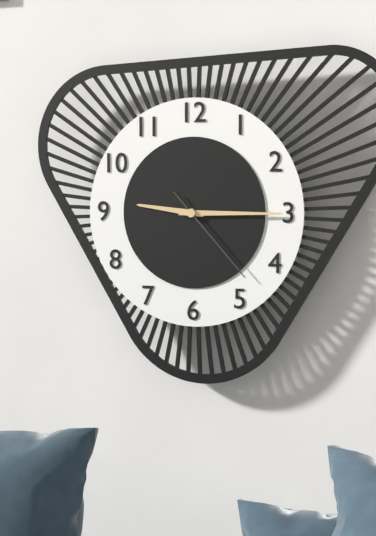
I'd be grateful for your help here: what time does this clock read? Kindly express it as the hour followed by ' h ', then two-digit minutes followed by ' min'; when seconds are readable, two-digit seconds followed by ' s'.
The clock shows 9 h 15 min 23 s
